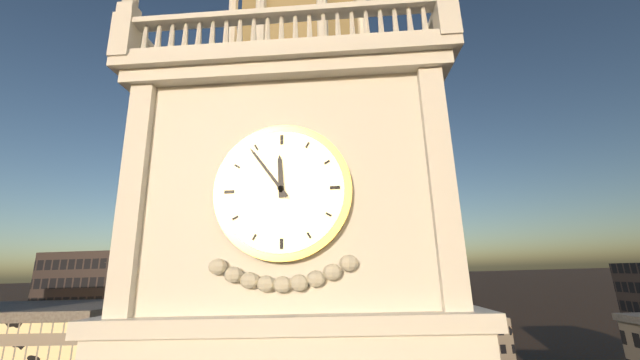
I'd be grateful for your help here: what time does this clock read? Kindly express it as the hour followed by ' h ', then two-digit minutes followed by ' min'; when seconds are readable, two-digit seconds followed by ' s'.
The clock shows 11 h 54 min
